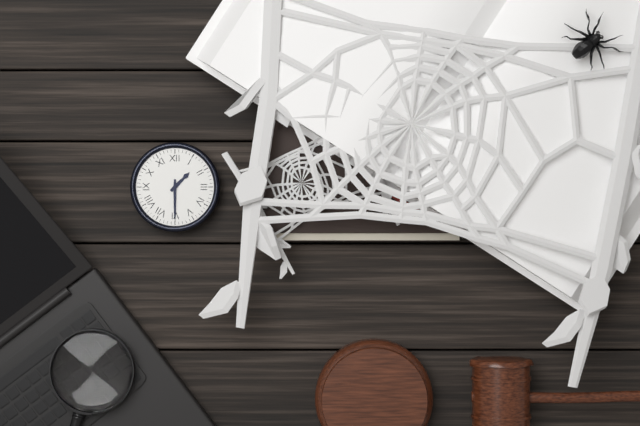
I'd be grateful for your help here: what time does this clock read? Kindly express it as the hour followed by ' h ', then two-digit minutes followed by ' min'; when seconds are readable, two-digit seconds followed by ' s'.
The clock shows 1 h 30 min
